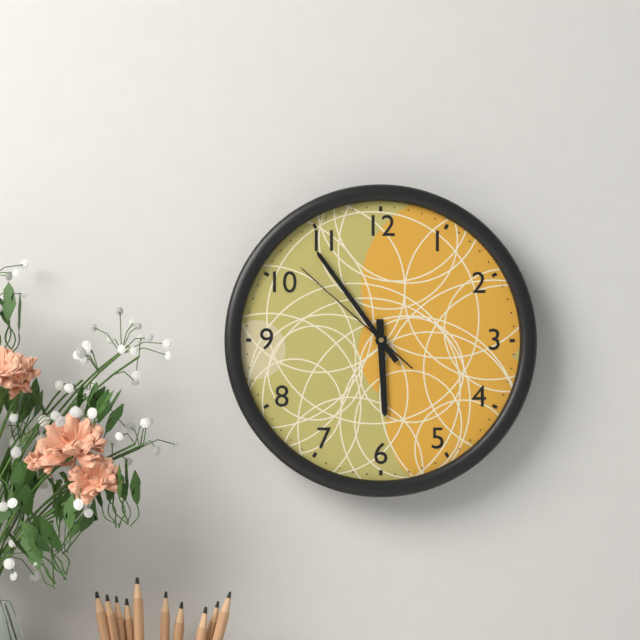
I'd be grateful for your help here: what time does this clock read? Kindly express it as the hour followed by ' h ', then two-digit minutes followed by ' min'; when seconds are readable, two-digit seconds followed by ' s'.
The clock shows 5 h 54 min 52 s
